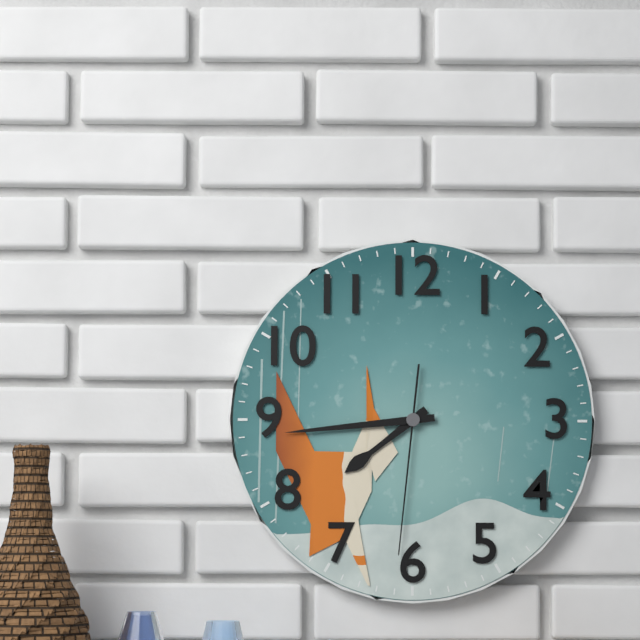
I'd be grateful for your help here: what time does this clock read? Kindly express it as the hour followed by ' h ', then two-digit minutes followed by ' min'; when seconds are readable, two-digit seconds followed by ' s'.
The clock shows 7 h 44 min 31 s
